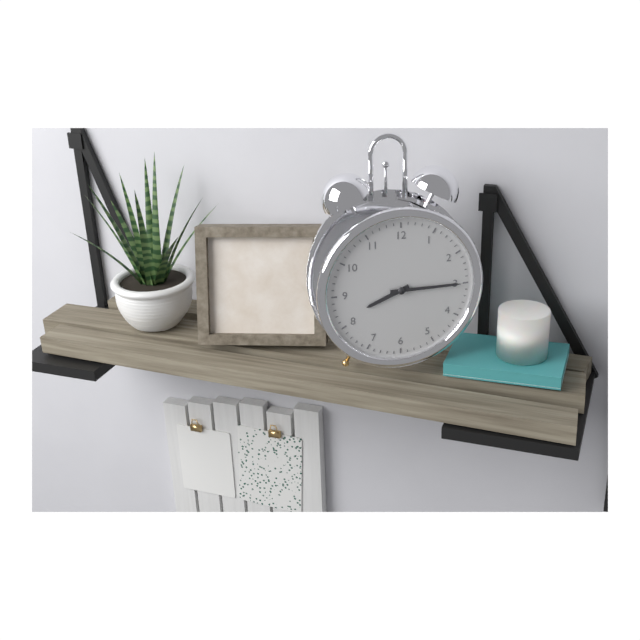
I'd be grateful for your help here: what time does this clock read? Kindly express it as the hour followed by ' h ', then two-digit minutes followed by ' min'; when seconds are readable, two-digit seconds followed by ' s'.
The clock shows 8 h 15 min
